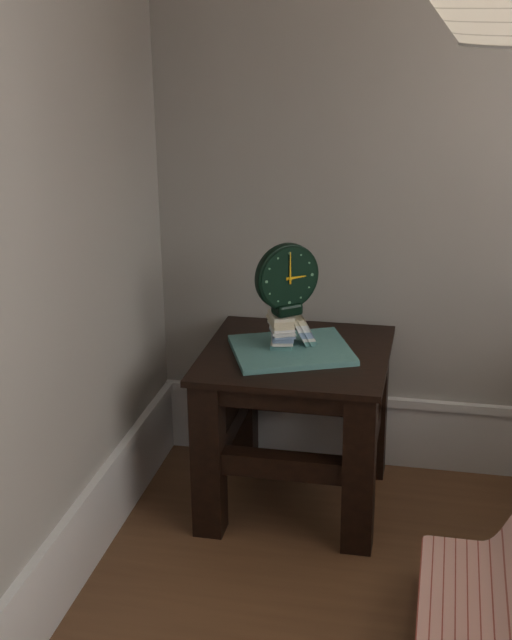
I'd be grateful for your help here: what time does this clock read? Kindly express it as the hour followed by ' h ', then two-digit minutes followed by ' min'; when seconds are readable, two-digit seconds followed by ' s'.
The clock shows 3 h 00 min
